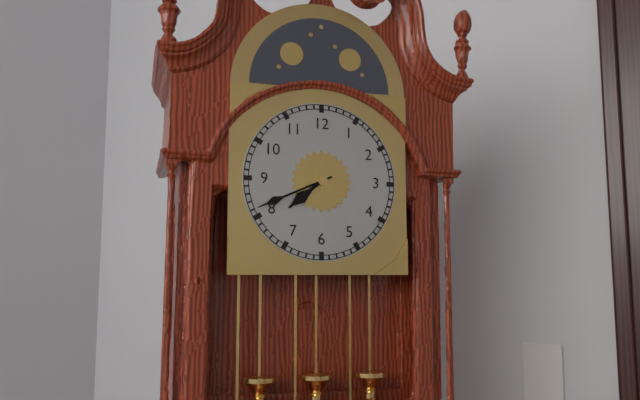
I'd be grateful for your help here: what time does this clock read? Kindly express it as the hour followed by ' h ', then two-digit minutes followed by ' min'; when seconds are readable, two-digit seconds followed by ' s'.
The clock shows 7 h 41 min
